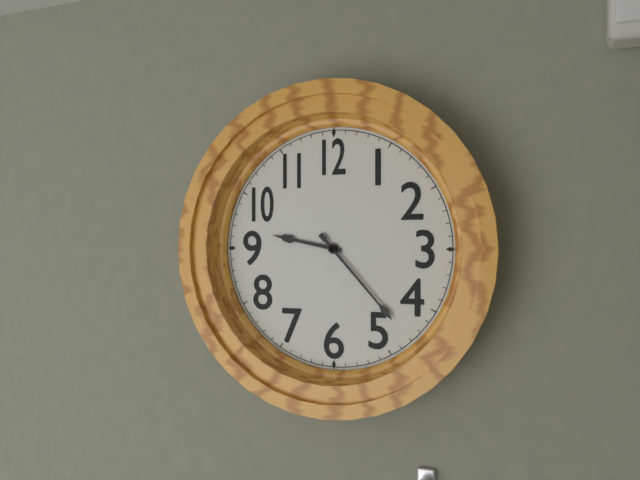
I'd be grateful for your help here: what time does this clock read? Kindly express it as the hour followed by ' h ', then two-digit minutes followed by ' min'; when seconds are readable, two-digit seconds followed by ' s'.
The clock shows 9 h 23 min
